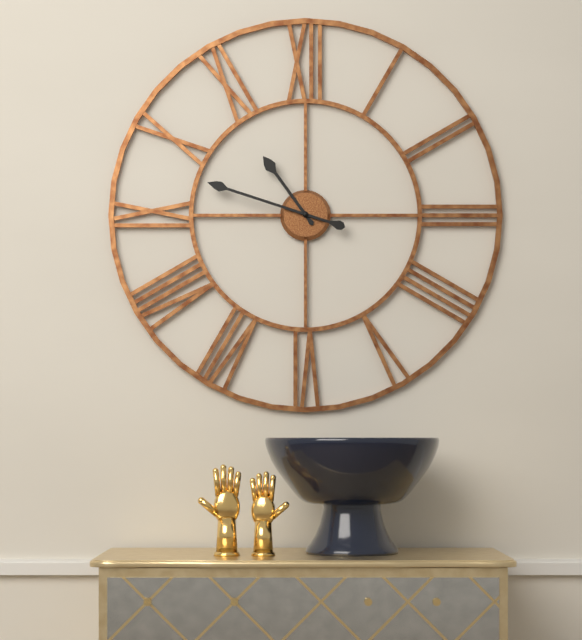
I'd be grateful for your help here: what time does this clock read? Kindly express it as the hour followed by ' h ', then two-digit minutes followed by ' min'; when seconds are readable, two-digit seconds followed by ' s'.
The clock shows 10 h 48 min
